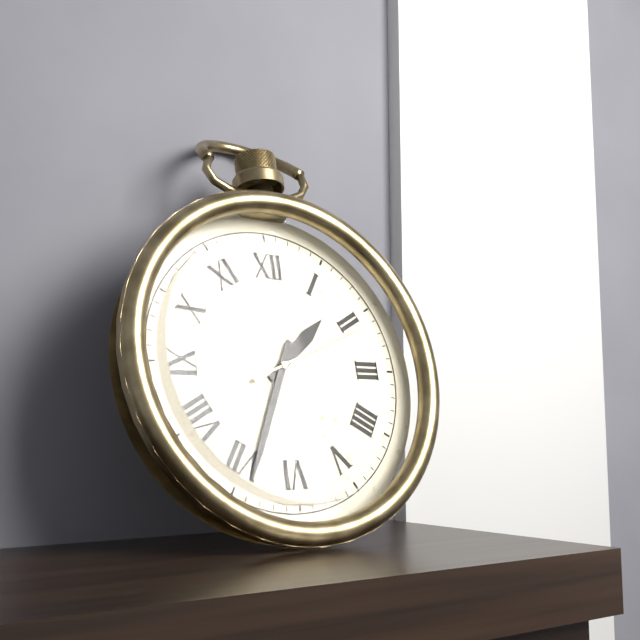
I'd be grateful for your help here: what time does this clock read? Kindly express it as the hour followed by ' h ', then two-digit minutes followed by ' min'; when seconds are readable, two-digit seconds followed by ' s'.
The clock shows 1 h 34 min 11 s
